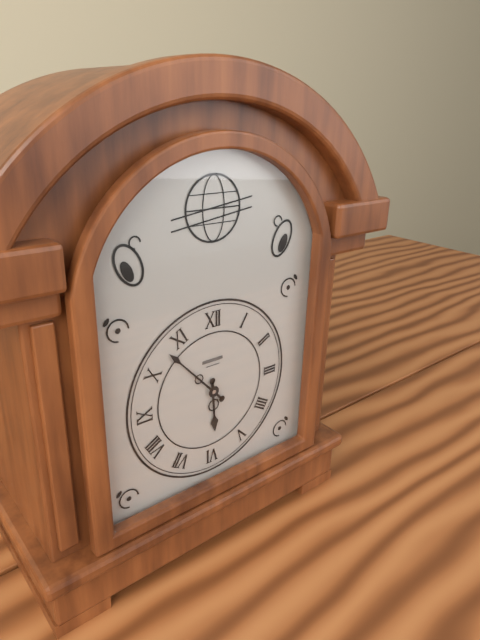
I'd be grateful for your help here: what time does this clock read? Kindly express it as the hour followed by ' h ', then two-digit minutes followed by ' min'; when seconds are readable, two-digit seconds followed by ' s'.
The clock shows 5 h 53 min
